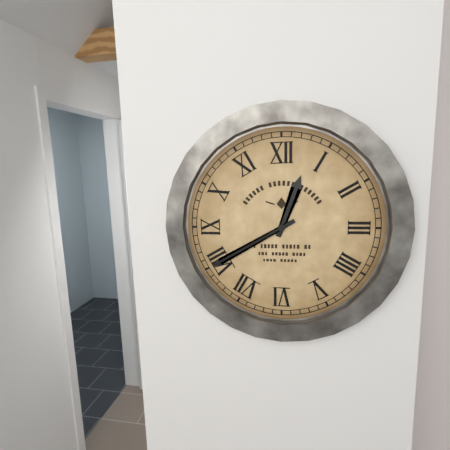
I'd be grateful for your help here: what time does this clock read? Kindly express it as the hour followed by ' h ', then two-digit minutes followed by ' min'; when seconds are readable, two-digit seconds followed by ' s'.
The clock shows 12 h 40 min
